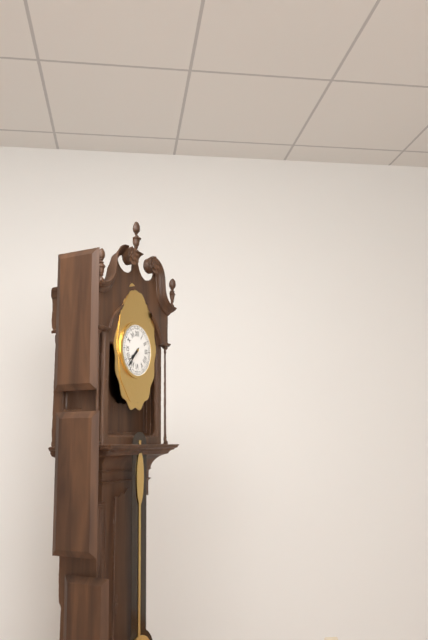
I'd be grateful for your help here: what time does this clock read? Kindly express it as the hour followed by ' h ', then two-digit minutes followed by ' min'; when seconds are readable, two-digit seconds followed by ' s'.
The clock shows 7 h 37 min
